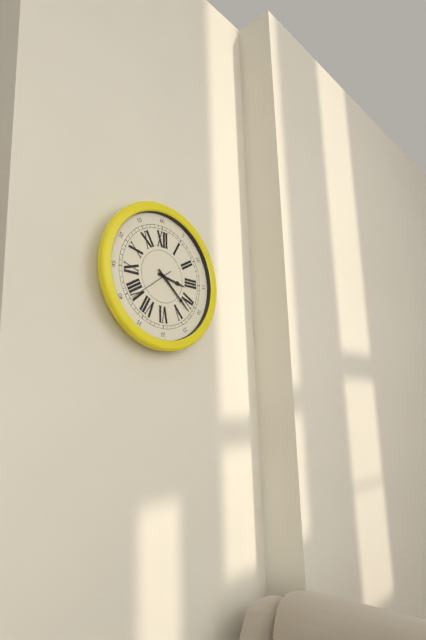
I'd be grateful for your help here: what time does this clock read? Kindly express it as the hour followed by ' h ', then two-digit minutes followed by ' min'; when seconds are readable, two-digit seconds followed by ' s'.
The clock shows 3 h 22 min
